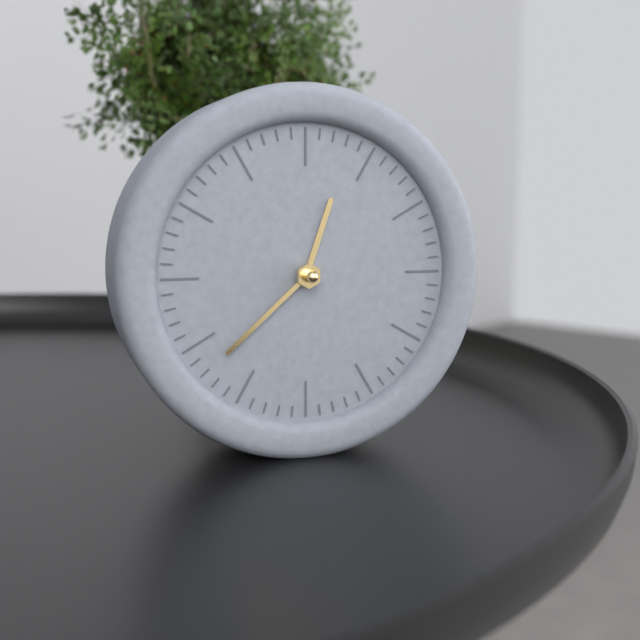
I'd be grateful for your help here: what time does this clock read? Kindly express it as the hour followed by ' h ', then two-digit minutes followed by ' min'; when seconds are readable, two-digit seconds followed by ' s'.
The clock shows 12 h 38 min
